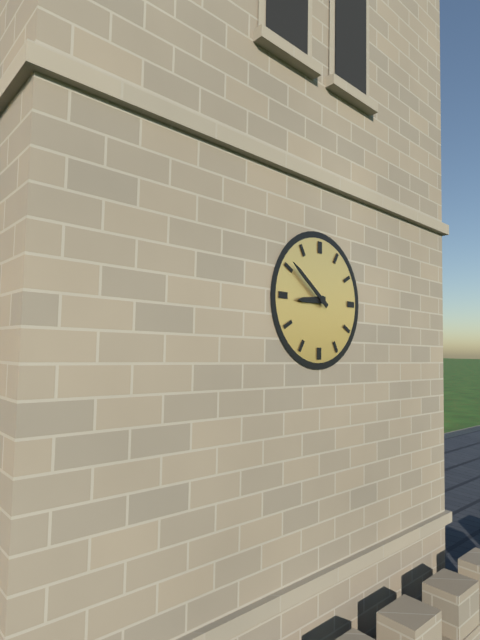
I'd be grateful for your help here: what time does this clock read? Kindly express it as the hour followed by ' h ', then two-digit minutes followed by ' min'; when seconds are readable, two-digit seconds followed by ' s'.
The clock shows 8 h 51 min
